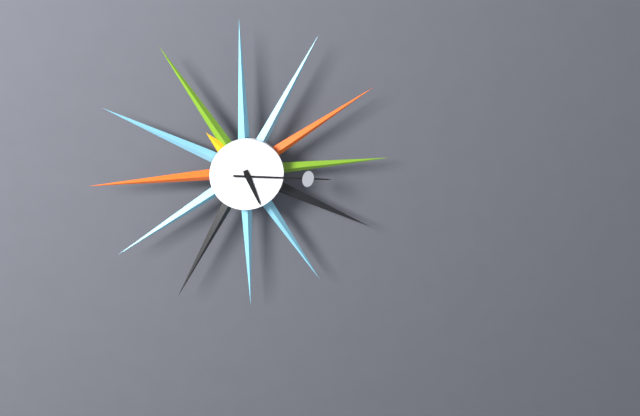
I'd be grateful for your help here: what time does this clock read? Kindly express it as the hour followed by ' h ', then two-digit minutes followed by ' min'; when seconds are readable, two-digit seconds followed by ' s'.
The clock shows 5 h 16 min
